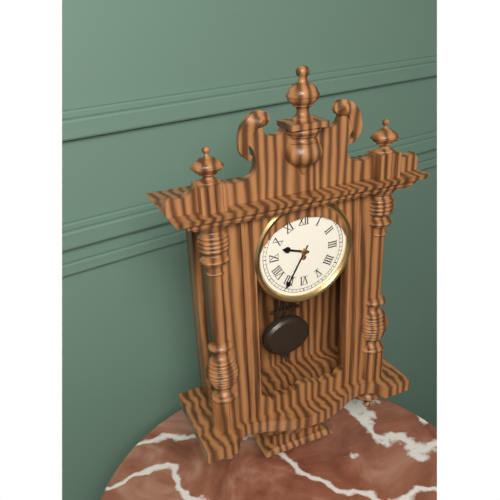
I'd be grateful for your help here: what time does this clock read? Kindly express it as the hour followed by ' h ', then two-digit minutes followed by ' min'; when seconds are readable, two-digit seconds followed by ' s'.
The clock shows 9 h 35 min
